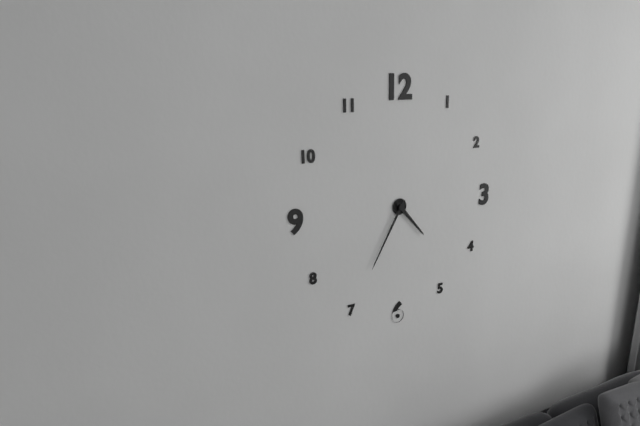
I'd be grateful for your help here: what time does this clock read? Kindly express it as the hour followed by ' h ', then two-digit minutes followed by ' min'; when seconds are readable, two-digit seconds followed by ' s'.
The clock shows 4 h 35 min
